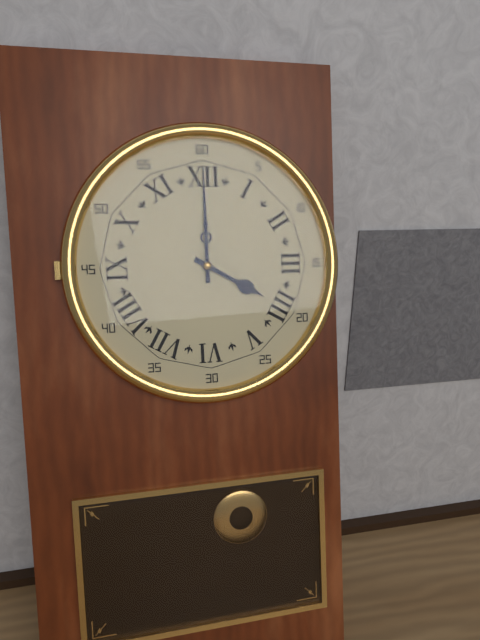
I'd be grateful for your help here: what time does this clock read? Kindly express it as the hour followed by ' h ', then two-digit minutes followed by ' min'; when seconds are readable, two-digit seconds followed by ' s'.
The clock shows 4 h 00 min
